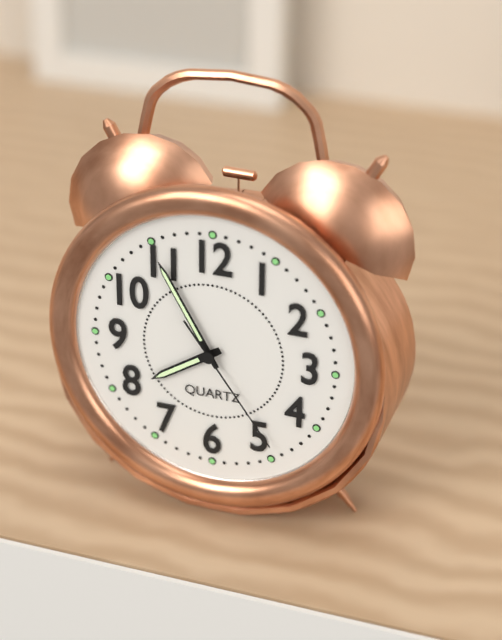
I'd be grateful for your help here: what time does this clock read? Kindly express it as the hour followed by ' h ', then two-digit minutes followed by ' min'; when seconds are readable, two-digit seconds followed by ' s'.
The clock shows 7 h 55 min 24 s
